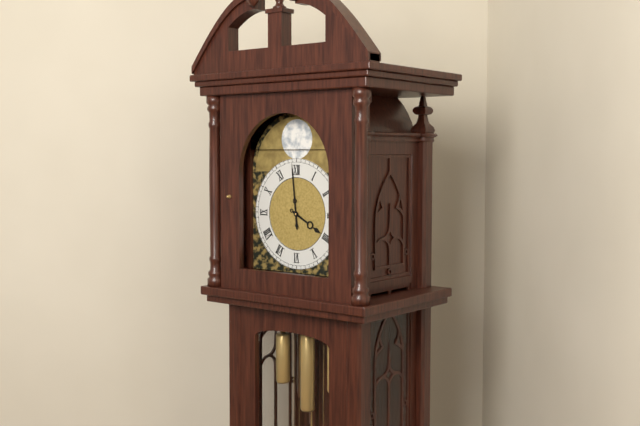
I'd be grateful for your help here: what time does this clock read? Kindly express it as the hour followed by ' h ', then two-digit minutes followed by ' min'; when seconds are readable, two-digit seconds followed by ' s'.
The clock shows 3 h 59 min
